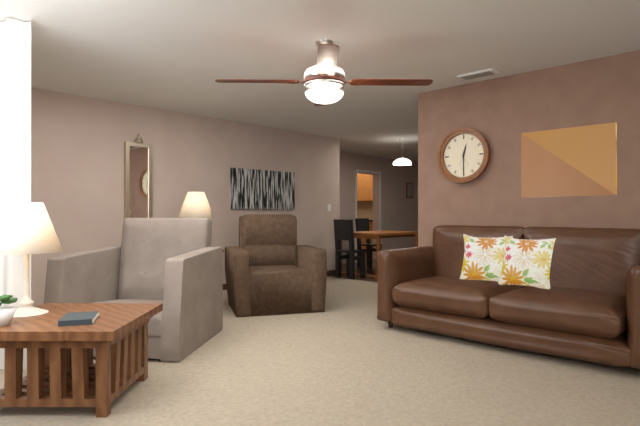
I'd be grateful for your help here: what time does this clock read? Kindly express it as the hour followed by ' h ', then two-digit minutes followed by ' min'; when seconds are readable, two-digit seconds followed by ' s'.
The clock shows 12 h 30 min
